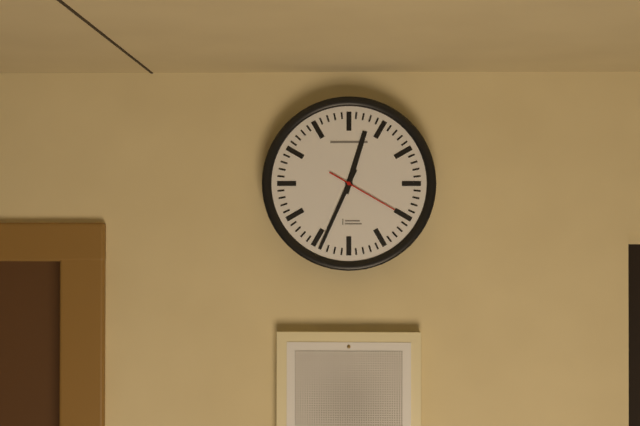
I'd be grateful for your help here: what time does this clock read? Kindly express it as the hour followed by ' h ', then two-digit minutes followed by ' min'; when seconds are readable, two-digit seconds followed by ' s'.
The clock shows 12 h 34 min 20 s
